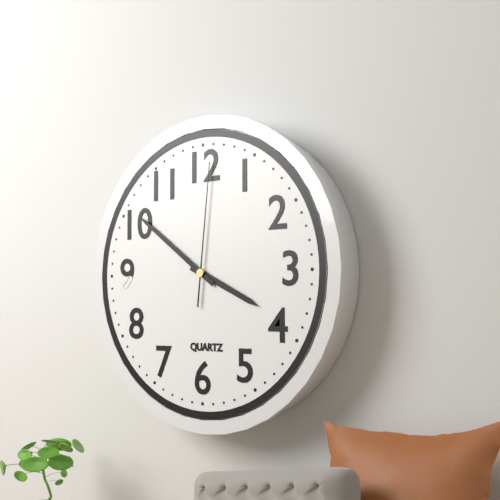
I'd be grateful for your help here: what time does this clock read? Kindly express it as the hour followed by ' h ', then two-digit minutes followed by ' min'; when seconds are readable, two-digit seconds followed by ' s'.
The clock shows 3 h 51 min 01 s
